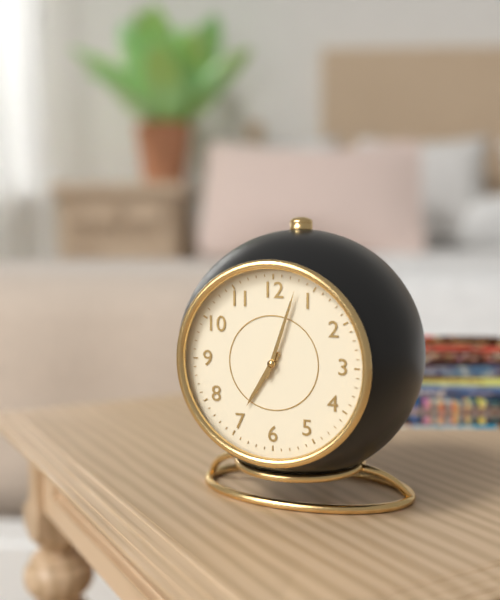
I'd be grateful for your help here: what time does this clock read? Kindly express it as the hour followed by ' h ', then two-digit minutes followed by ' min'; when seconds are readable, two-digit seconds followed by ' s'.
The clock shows 7 h 03 min
